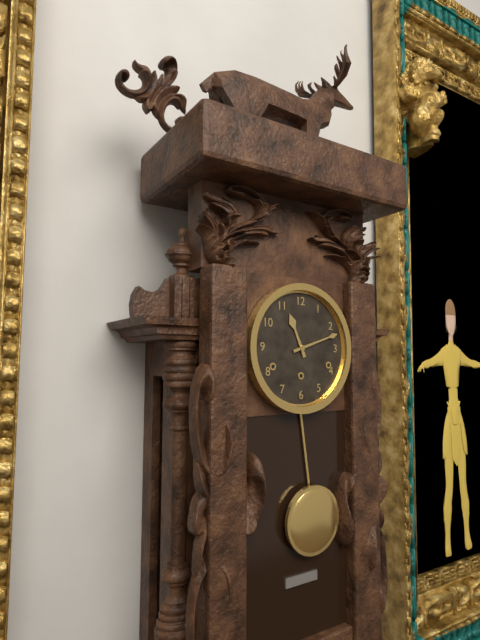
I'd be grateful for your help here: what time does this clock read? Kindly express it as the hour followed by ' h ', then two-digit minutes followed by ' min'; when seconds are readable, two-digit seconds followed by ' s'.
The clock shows 11 h 12 min
